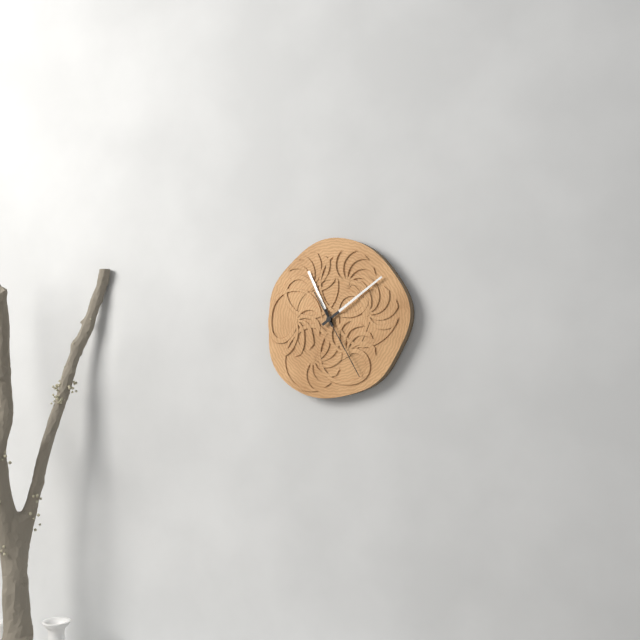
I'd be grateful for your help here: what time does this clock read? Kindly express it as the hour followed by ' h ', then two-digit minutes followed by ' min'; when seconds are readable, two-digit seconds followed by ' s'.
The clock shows 11 h 09 min 25 s
